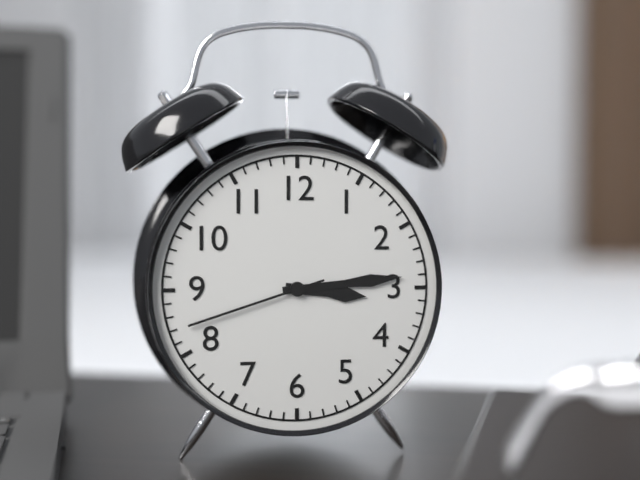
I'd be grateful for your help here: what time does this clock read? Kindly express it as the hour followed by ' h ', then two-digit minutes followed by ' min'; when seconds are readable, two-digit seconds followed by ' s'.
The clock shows 3 h 14 min 42 s
